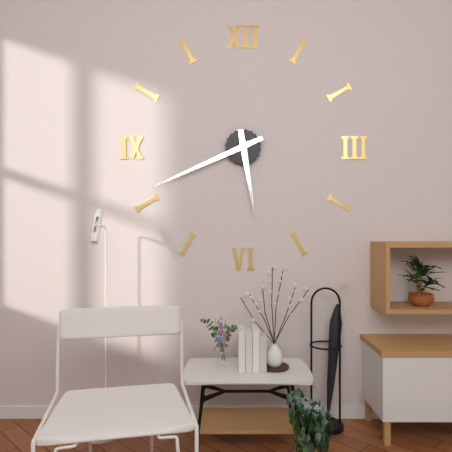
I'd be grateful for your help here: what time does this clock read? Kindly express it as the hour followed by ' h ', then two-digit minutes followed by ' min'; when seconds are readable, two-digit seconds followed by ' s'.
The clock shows 5 h 41 min
